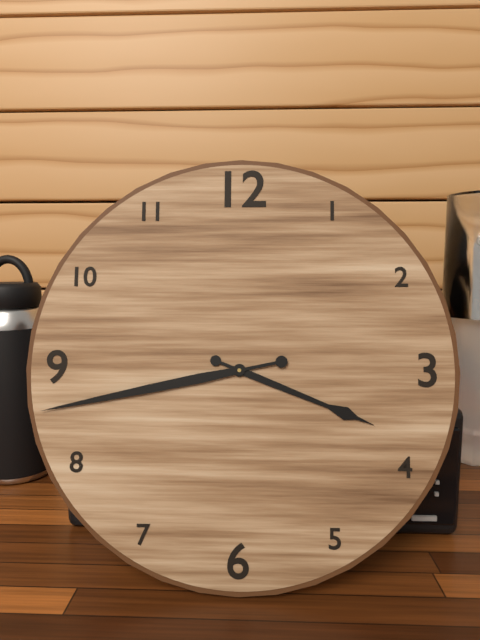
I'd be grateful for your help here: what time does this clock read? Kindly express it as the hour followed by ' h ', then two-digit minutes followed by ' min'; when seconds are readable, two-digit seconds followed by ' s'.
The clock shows 3 h 43 min
